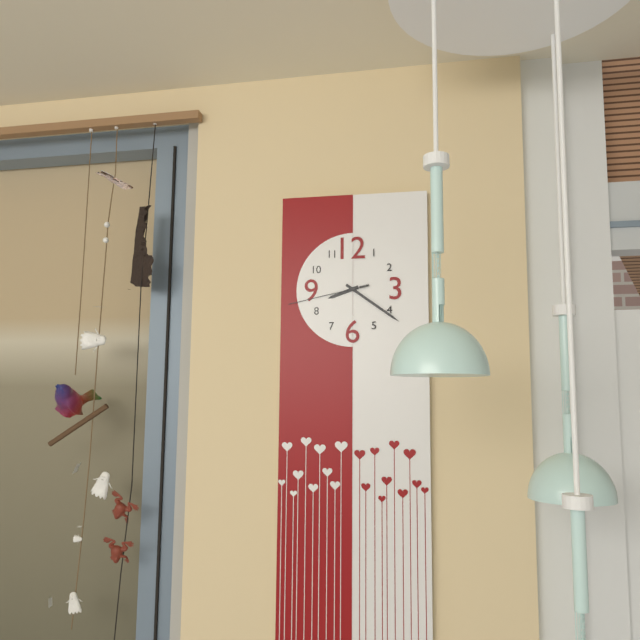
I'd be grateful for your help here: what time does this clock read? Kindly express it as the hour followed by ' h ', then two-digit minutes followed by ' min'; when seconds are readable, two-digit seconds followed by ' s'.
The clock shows 8 h 21 min 43 s
